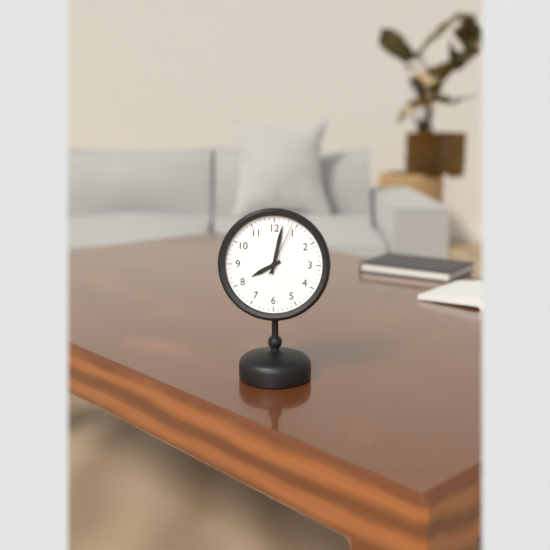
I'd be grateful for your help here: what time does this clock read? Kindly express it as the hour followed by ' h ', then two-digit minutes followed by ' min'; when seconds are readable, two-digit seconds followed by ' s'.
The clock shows 8 h 02 min 04 s
